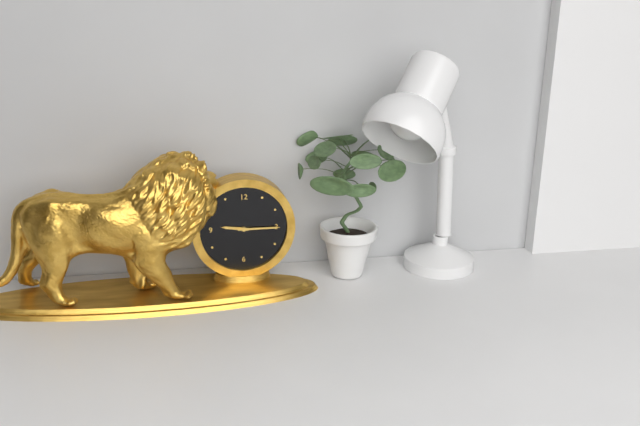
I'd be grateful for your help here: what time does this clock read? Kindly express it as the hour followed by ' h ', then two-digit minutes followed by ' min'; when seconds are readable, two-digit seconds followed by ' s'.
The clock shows 9 h 15 min
